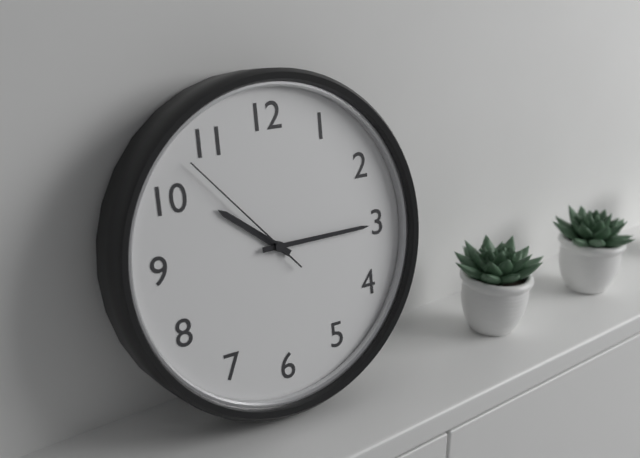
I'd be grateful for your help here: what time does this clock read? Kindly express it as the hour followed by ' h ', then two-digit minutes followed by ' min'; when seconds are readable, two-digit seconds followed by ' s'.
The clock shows 10 h 15 min 53 s
